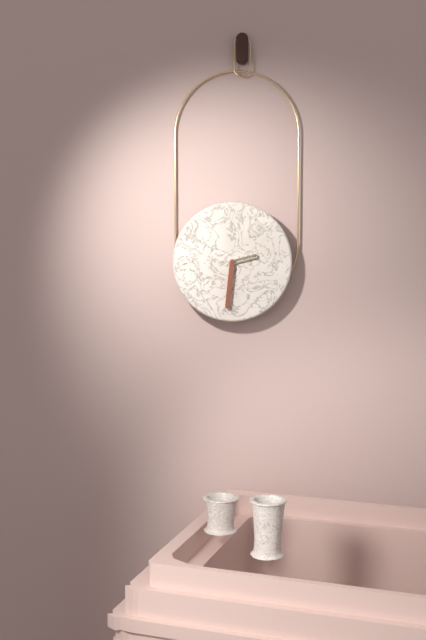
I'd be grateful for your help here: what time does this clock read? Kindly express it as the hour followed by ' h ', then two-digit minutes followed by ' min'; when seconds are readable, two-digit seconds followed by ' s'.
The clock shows 2 h 31 min
